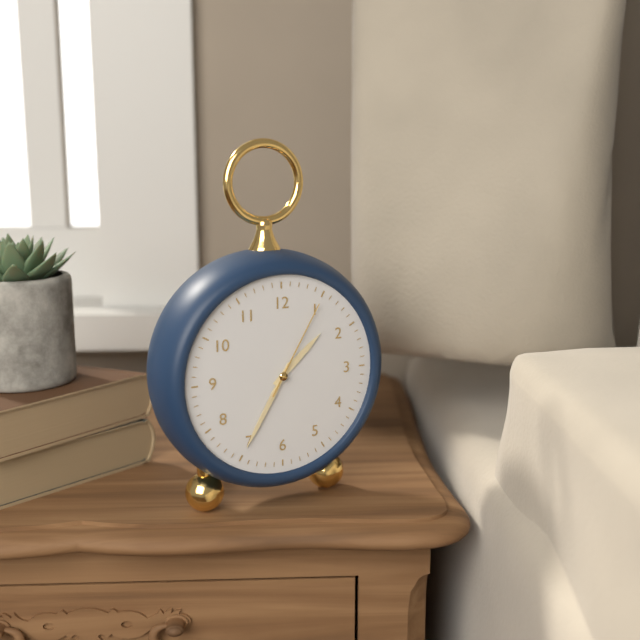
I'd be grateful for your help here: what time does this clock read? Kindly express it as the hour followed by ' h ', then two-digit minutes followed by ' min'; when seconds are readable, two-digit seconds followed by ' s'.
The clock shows 1 h 35 min 05 s
